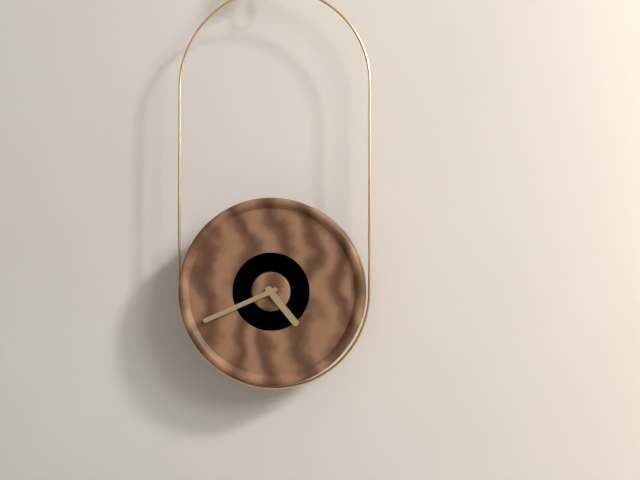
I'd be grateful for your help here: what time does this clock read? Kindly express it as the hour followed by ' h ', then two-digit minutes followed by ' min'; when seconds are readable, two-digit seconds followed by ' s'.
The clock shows 4 h 41 min
